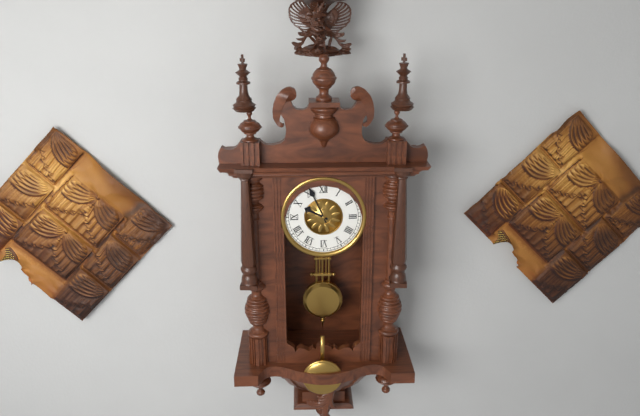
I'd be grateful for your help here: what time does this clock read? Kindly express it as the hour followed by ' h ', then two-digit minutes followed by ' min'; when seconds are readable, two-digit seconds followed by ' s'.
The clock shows 9 h 56 min
